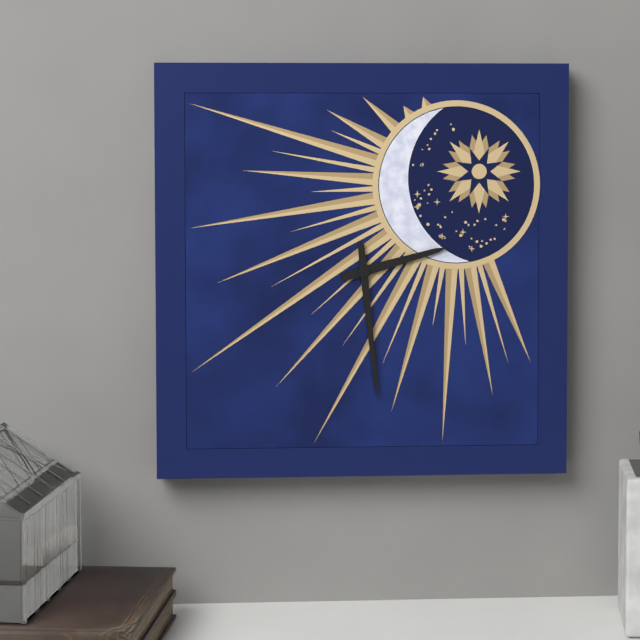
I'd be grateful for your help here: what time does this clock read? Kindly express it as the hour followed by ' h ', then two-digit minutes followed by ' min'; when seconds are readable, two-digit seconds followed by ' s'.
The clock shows 2 h 29 min
